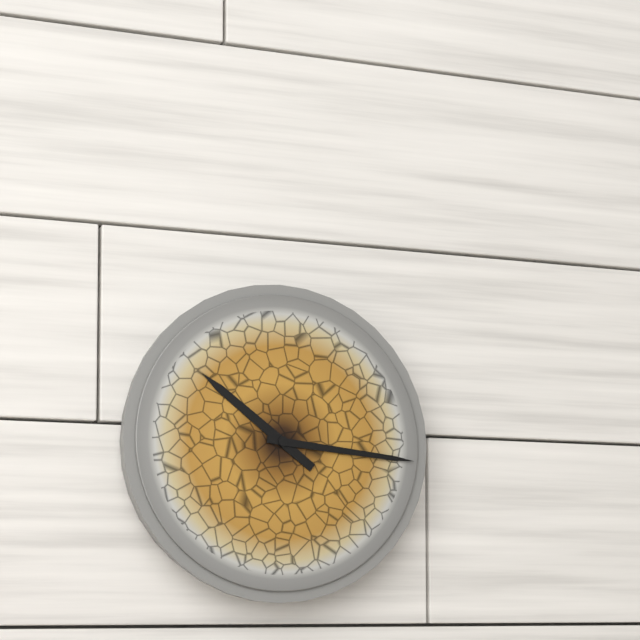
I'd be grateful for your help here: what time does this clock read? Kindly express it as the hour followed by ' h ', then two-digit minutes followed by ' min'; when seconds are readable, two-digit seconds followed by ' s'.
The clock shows 10 h 16 min
